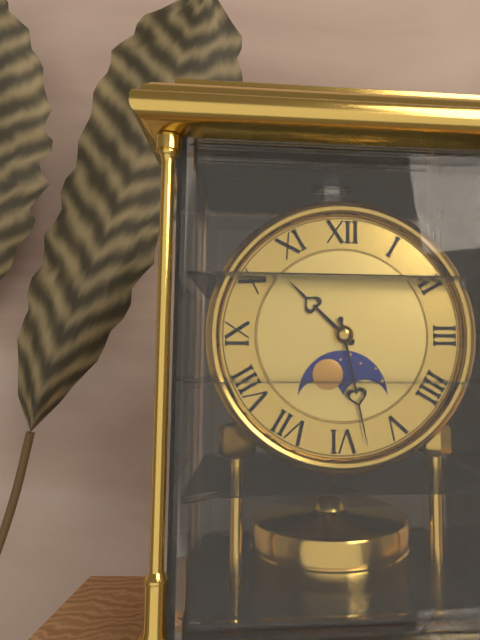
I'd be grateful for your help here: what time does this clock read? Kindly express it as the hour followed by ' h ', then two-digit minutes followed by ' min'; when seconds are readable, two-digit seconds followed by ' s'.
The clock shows 10 h 28 min
